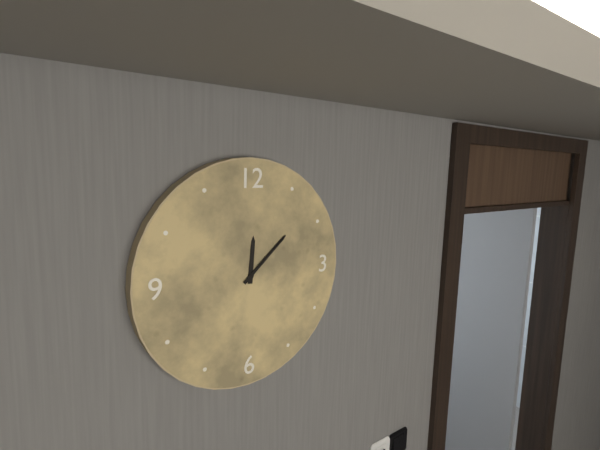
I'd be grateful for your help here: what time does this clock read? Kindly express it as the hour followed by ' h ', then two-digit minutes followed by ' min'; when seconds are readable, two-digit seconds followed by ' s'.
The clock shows 12 h 08 min
